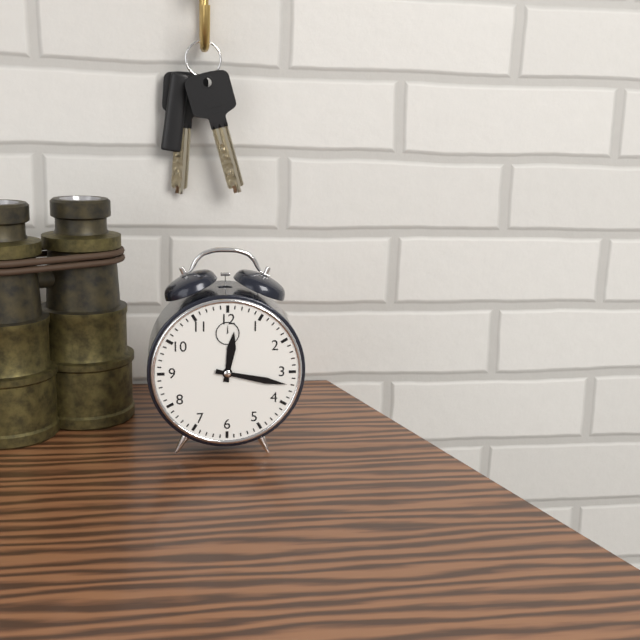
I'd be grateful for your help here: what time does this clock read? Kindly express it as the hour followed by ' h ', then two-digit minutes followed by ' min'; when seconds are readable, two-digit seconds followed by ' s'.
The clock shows 12 h 17 min
